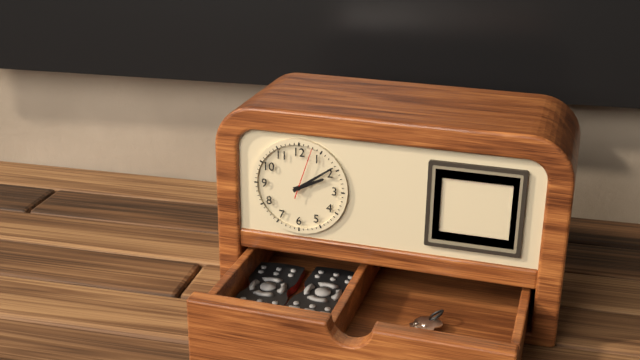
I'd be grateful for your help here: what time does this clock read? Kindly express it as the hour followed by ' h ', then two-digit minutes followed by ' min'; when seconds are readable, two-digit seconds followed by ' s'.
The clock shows 2 h 09 min 03 s
